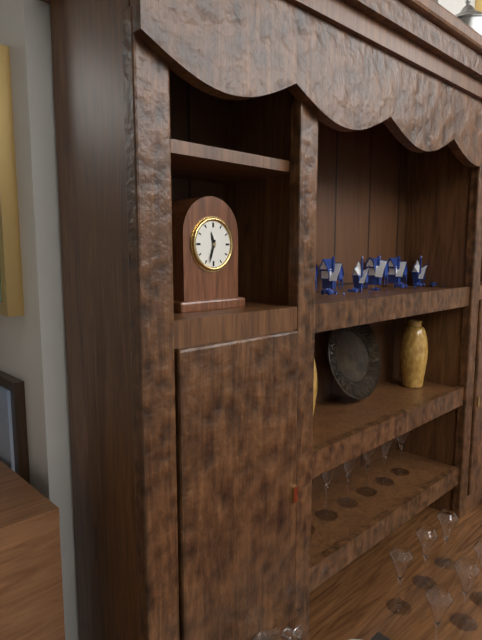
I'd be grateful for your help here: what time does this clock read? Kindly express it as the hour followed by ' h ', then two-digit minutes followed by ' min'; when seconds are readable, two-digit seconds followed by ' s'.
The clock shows 11 h 33 min
